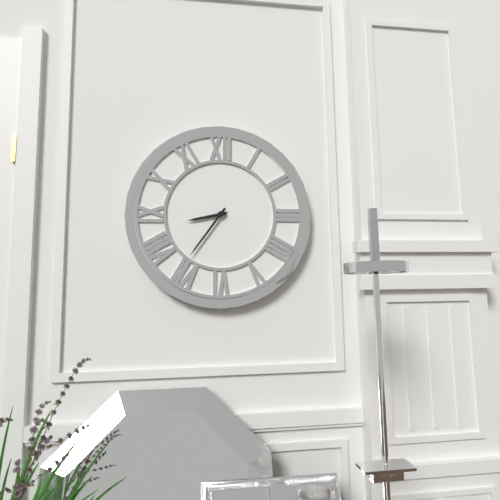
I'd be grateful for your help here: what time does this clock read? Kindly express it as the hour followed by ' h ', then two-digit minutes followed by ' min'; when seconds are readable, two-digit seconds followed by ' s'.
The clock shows 8 h 36 min
